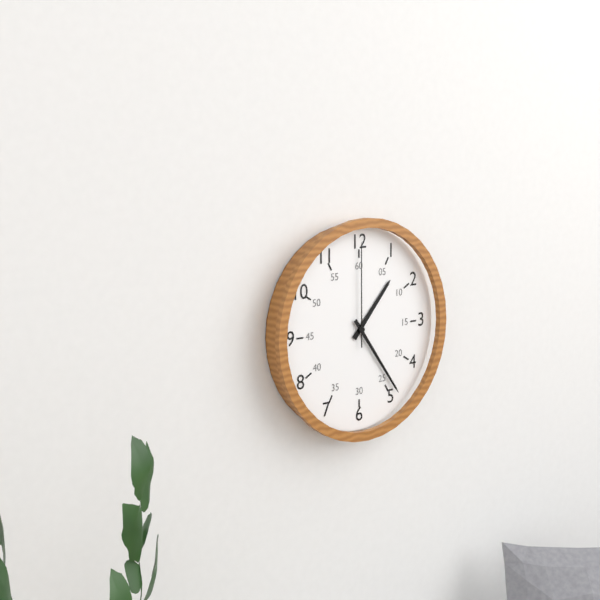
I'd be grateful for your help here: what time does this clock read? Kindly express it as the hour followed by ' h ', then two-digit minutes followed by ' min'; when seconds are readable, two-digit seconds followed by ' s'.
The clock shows 1 h 24 min 00 s
